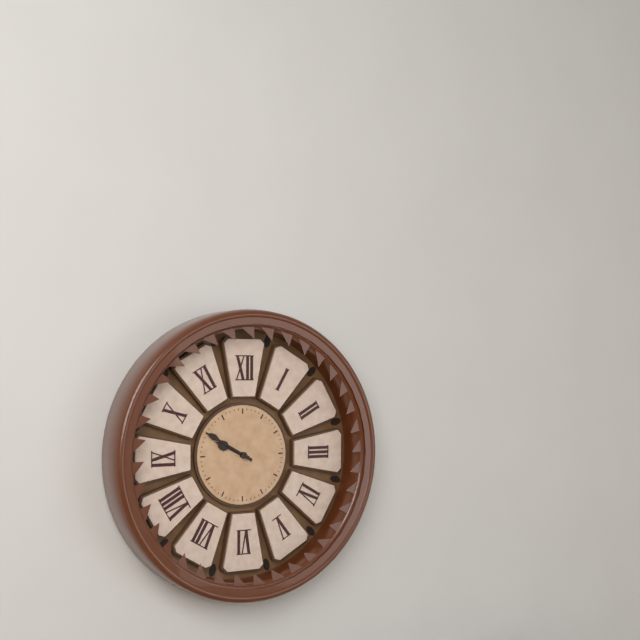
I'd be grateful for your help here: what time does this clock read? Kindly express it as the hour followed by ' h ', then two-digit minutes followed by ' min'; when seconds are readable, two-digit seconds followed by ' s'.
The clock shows 9 h 50 min
